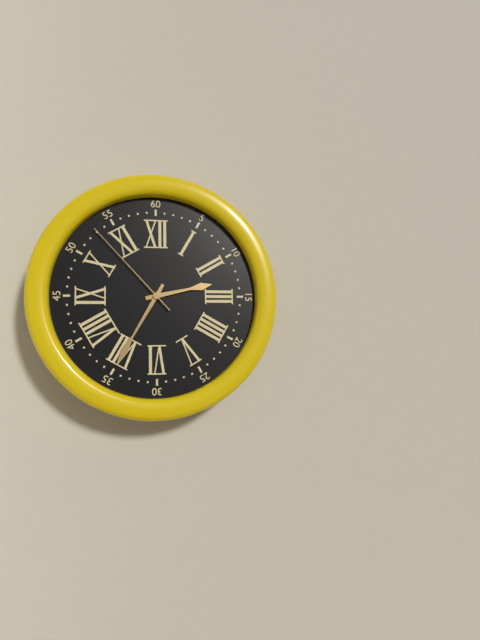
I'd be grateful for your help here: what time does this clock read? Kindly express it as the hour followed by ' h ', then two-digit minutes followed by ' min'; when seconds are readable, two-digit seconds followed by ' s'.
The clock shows 2 h 35 min 53 s
